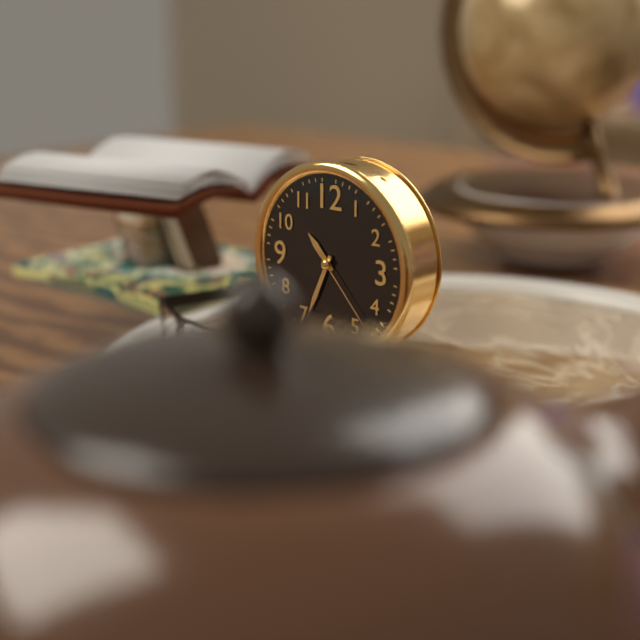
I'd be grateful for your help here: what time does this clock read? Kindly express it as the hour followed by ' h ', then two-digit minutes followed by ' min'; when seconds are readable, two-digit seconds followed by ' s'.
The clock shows 10 h 34 min 23 s
